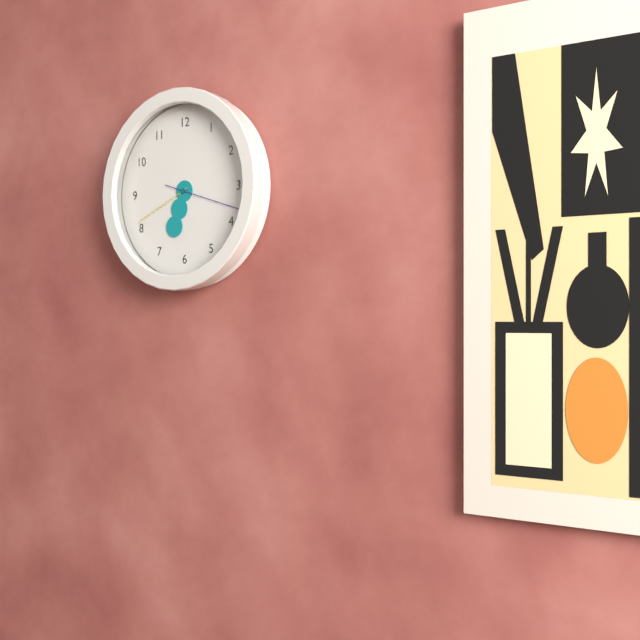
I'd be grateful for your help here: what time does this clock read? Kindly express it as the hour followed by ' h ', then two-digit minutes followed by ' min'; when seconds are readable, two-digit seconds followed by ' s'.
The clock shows 6 h 41 min 18 s
